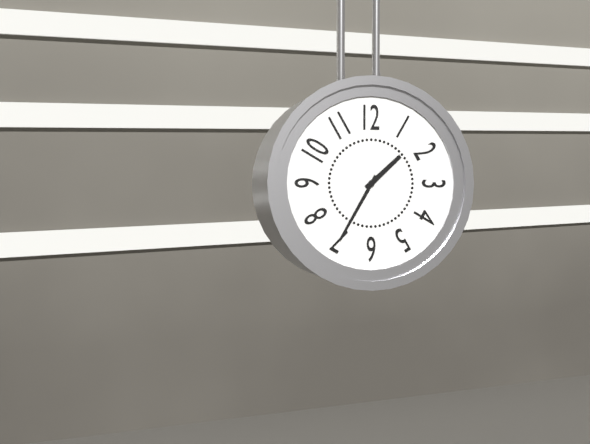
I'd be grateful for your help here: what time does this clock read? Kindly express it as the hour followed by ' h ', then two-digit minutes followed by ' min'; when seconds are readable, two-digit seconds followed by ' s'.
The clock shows 1 h 35 min
